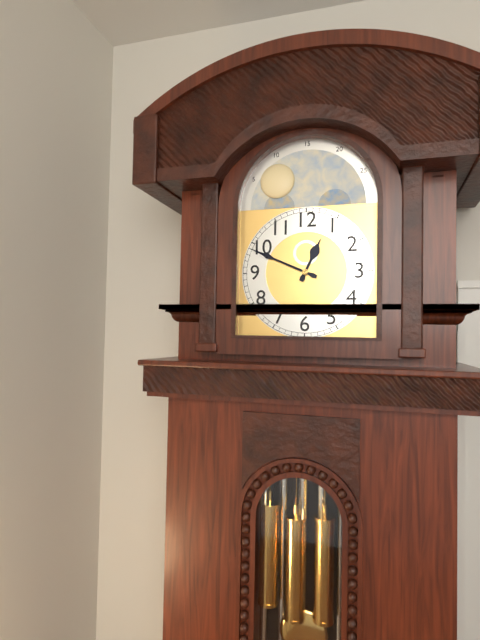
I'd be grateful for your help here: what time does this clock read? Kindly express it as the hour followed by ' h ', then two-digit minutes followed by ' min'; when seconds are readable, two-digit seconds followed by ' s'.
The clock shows 12 h 49 min
